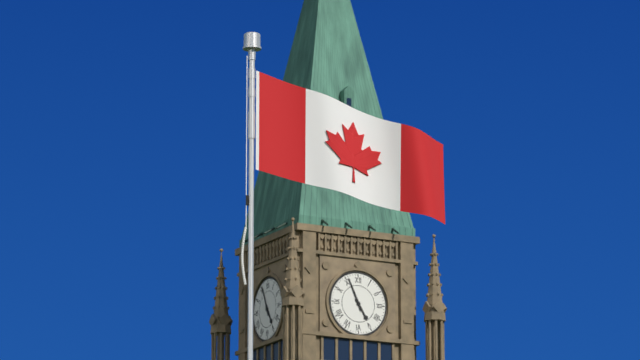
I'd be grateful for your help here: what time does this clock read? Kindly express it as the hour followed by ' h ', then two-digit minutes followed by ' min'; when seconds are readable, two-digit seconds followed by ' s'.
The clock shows 4 h 56 min
